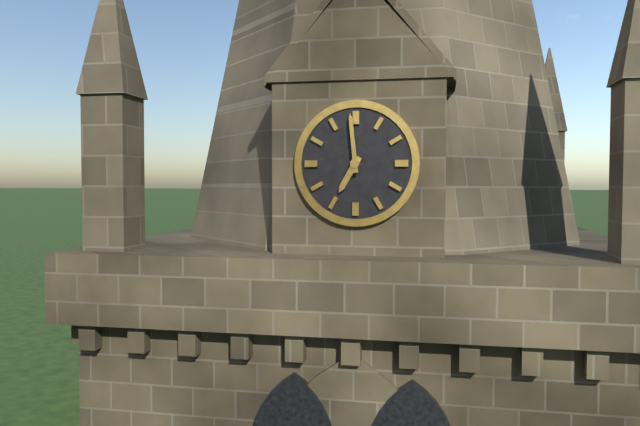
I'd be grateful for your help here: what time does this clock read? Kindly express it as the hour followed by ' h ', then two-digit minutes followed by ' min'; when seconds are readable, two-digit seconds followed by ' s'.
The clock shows 6 h 59 min
